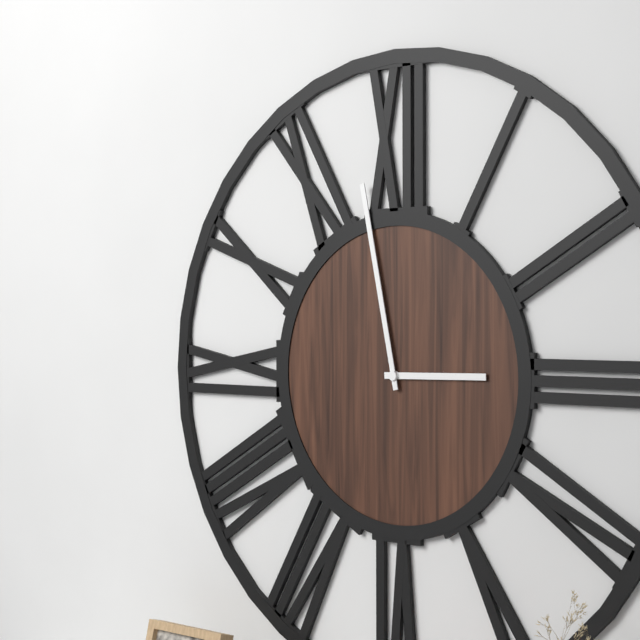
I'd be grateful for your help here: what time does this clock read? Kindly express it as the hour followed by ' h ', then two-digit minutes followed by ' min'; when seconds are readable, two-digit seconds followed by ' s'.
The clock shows 2 h 58 min
